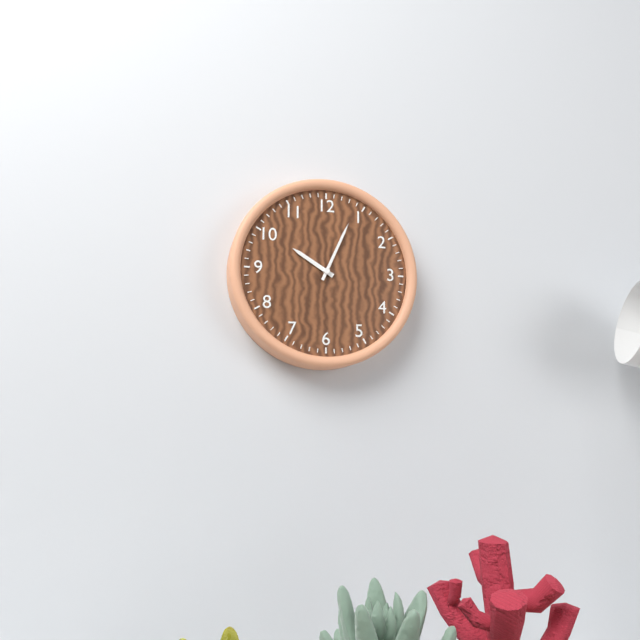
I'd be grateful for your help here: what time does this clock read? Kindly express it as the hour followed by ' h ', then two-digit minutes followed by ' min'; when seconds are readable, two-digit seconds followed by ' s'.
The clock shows 10 h 04 min
